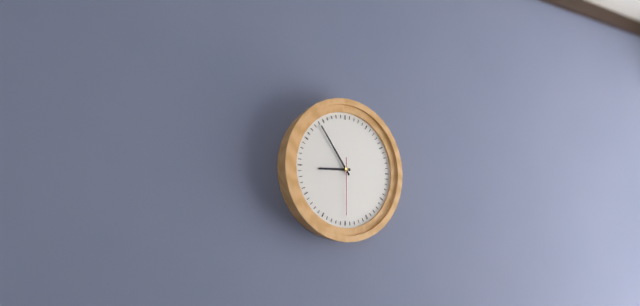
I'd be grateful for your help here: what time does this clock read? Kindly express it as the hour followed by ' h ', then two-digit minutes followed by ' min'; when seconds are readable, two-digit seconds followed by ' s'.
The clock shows 8 h 54 min 30 s
